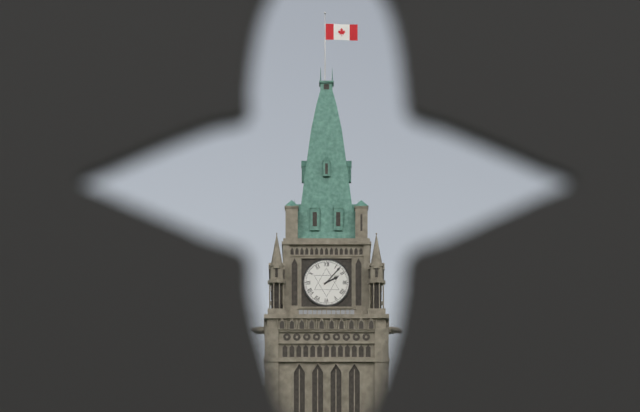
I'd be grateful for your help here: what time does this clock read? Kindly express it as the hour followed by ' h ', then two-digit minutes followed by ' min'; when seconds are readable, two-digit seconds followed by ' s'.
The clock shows 2 h 07 min
